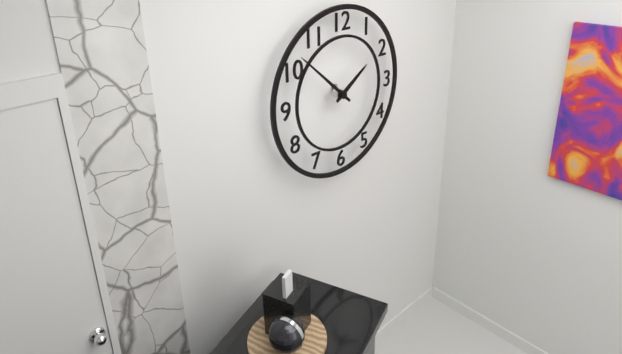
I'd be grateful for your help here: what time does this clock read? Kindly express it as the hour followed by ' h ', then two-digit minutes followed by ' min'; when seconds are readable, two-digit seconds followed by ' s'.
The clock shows 1 h 52 min
